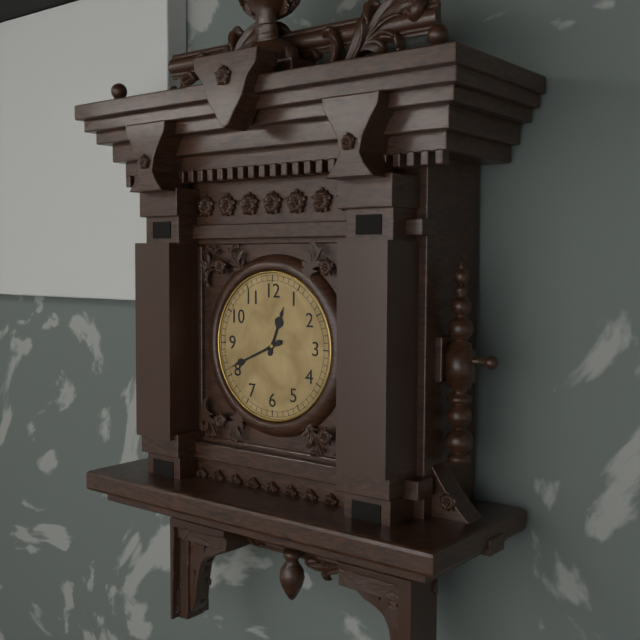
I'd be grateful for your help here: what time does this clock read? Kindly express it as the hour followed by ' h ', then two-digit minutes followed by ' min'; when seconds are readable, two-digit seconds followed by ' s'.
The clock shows 12 h 41 min
